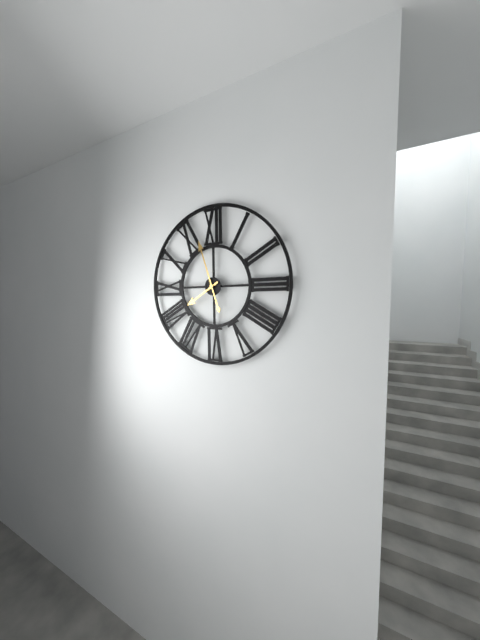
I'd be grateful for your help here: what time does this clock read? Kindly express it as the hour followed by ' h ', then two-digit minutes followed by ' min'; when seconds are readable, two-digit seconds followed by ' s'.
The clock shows 7 h 57 min
